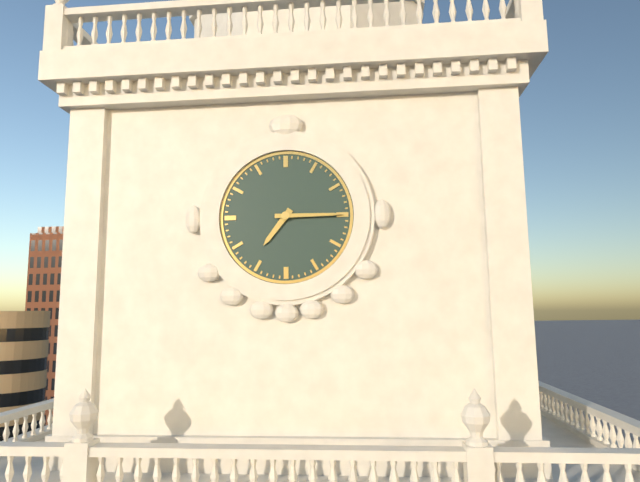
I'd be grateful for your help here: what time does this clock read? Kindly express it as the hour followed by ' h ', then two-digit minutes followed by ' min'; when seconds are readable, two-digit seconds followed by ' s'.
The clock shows 7 h 15 min
